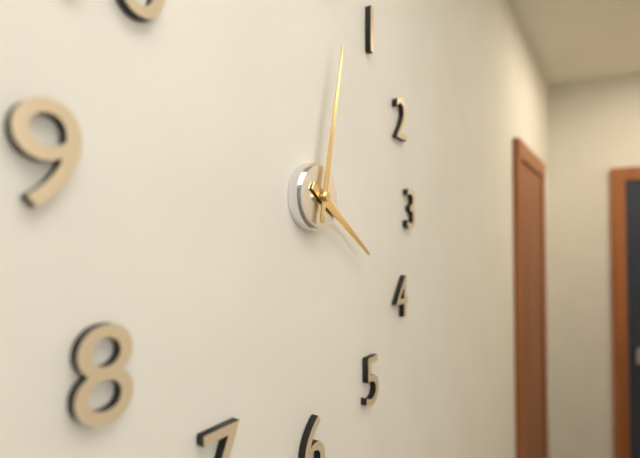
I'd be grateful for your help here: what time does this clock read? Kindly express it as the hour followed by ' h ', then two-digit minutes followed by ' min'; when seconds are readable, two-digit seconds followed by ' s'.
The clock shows 4 h 02 min
